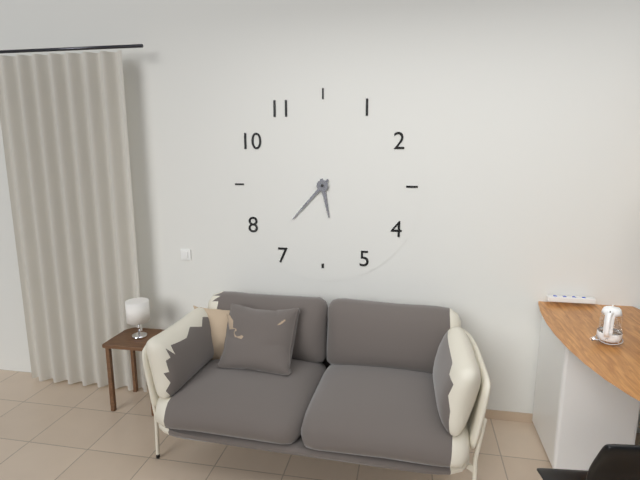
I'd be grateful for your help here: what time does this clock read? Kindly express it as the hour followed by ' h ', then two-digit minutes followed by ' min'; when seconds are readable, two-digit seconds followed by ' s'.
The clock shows 5 h 37 min
